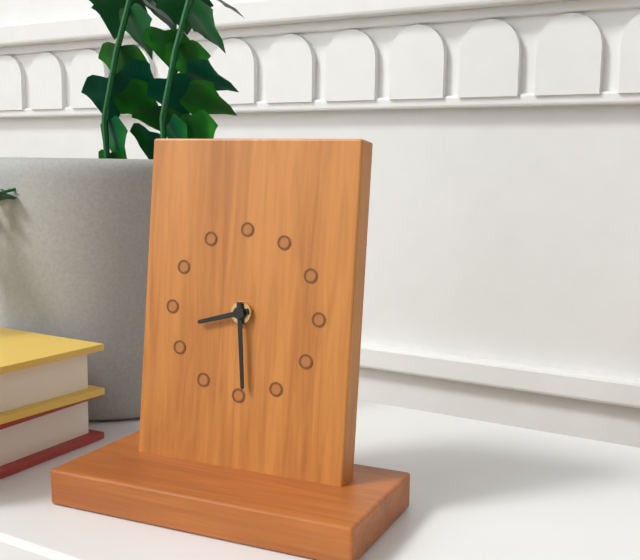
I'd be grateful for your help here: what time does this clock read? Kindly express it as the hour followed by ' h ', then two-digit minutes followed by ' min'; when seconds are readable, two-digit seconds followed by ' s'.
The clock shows 8 h 29 min
